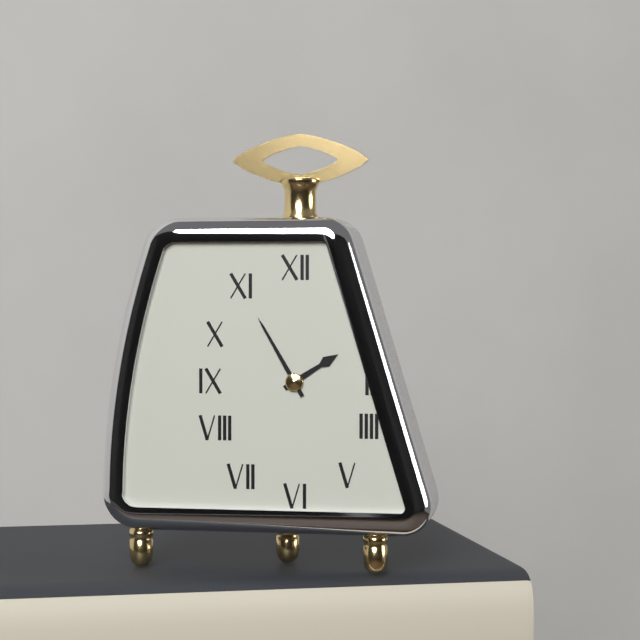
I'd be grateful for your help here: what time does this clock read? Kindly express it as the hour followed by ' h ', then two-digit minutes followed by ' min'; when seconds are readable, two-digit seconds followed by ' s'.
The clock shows 1 h 55 min
